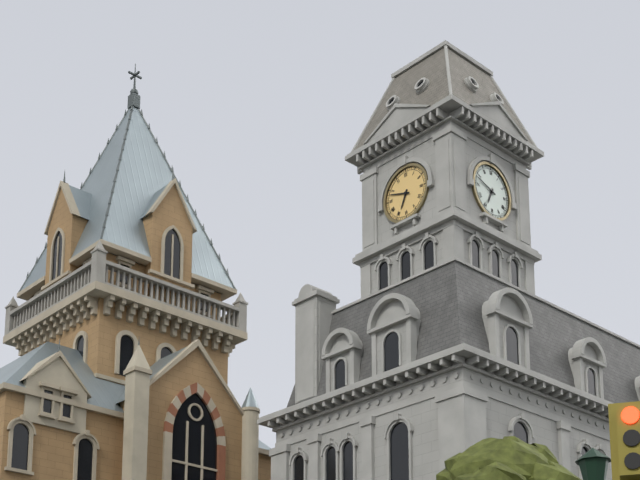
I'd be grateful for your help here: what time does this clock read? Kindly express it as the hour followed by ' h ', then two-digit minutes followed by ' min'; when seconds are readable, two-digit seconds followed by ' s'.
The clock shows 6 h 48 min
